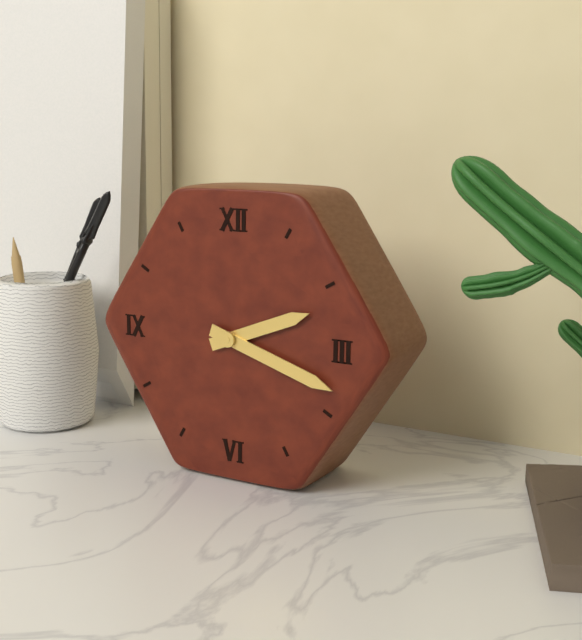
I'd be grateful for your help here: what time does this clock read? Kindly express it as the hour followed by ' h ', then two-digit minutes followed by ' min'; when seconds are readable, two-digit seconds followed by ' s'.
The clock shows 2 h 18 min
